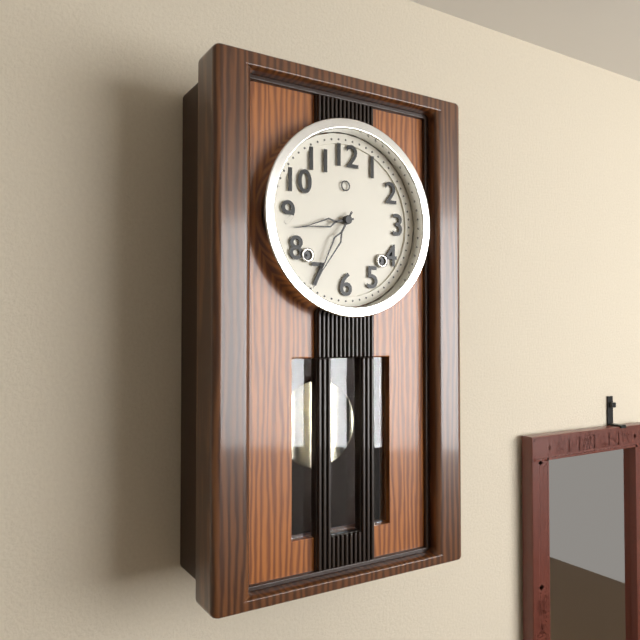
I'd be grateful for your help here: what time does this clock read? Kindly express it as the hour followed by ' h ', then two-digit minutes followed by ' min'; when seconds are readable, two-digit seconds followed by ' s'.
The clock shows 8 h 35 min
